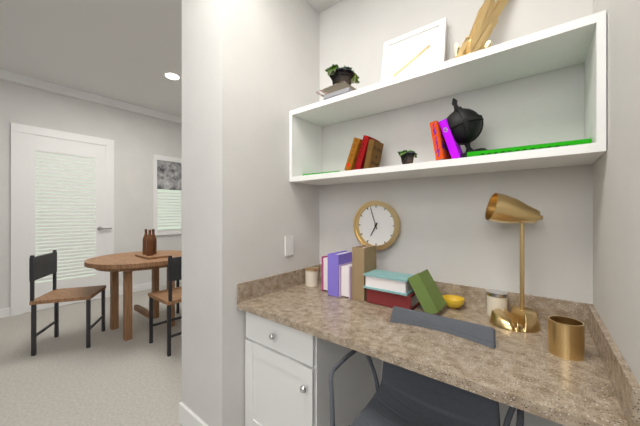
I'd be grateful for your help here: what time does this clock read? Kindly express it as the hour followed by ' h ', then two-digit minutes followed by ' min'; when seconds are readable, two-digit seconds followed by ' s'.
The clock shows 6 h 57 min
